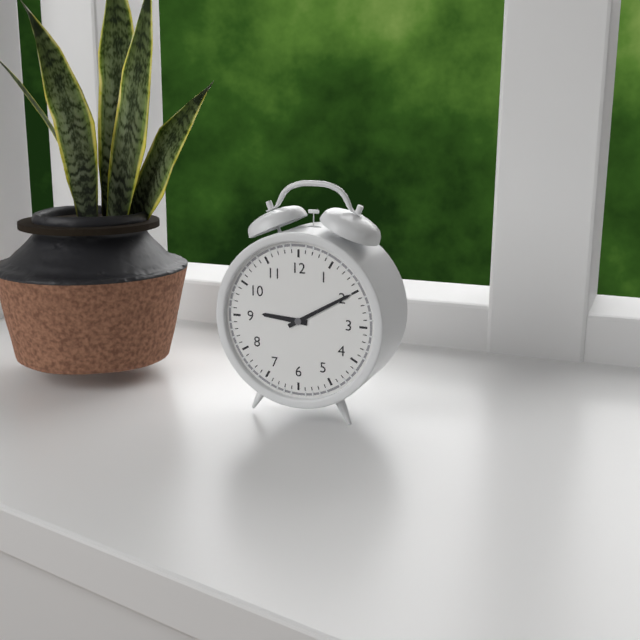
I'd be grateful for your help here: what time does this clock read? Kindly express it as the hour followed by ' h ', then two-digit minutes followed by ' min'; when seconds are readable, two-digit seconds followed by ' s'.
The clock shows 9 h 10 min
